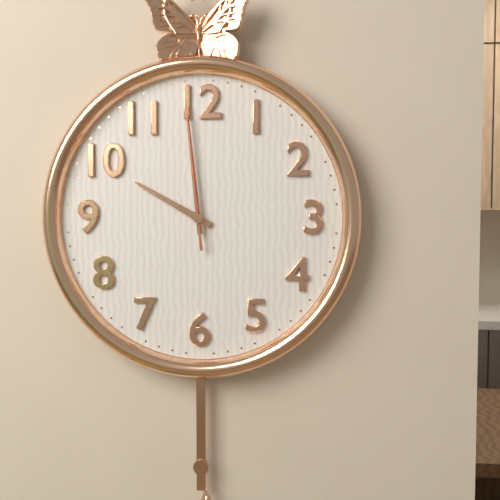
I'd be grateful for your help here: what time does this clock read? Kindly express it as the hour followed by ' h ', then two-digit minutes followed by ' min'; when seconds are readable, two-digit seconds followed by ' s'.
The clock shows 9 h 59 min 59 s
